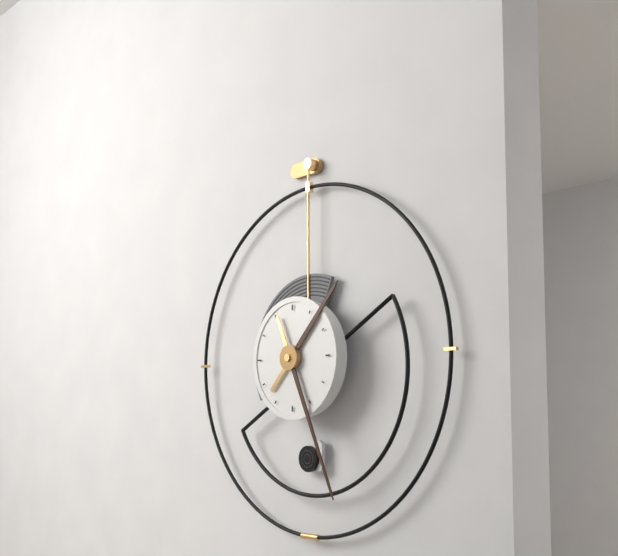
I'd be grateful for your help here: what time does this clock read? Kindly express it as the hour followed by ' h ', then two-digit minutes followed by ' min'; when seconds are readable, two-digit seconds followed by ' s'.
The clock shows 1 h 26 min
